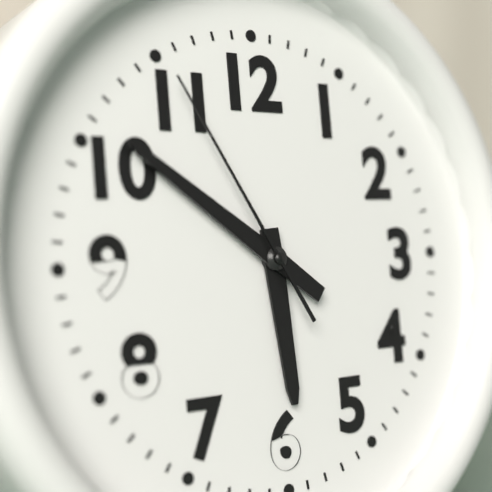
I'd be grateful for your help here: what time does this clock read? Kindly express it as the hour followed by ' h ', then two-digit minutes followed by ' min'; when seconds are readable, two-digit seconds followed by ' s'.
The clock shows 5 h 51 min 55 s
